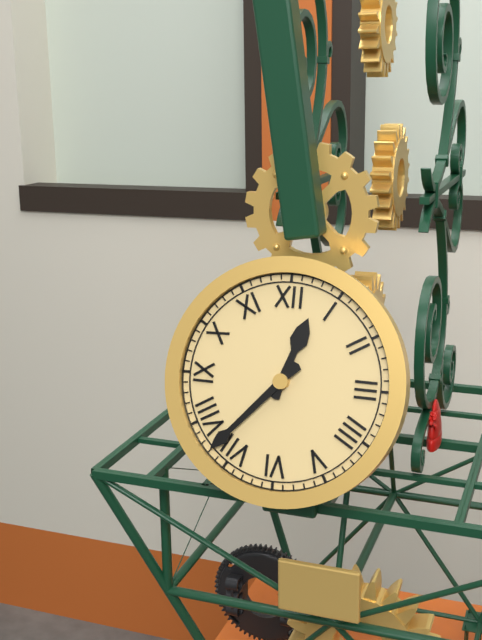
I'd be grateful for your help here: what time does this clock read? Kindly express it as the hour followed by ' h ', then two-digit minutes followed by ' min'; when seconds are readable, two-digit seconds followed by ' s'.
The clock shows 12 h 37 min
